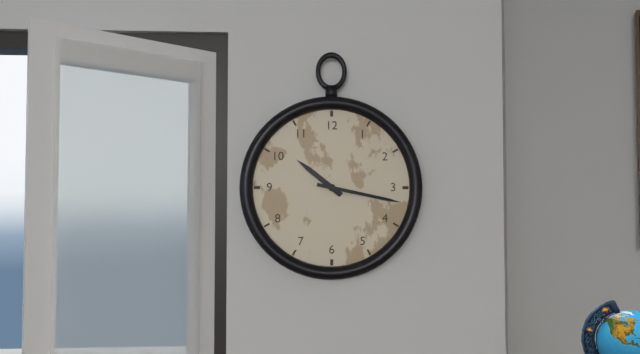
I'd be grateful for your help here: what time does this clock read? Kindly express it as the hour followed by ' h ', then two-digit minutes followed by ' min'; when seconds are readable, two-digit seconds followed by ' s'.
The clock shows 10 h 17 min
